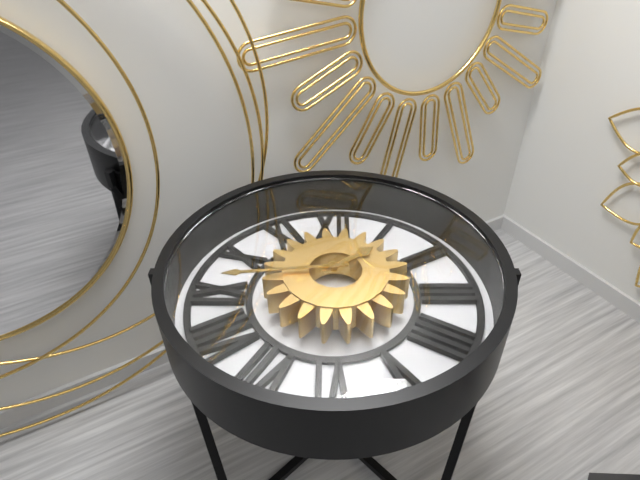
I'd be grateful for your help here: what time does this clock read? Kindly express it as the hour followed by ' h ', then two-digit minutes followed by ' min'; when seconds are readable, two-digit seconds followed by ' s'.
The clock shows 1 h 44 min
